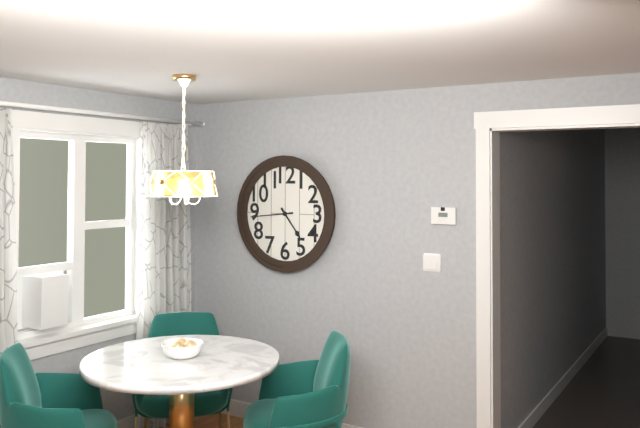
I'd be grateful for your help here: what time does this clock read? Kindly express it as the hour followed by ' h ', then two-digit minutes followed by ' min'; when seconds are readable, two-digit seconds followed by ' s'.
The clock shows 4 h 44 min
